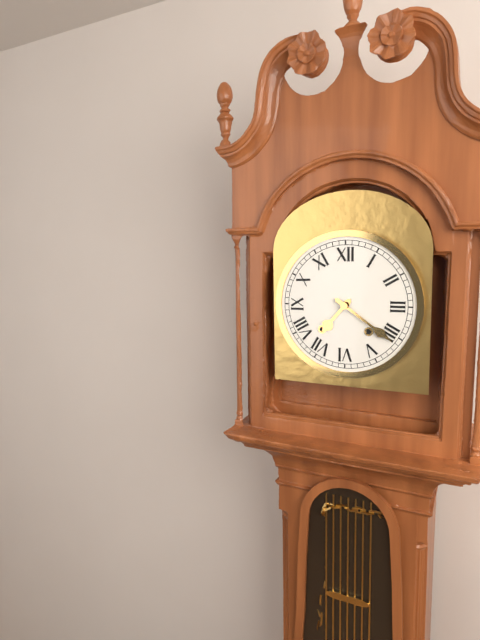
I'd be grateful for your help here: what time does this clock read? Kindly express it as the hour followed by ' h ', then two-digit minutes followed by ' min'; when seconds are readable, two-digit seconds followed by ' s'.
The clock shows 7 h 21 min
